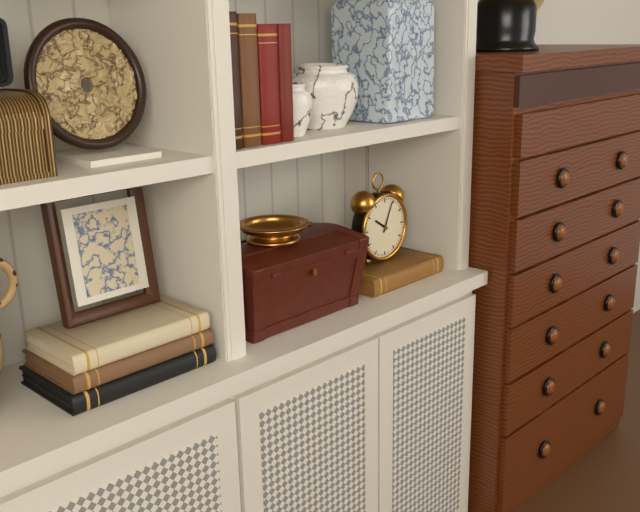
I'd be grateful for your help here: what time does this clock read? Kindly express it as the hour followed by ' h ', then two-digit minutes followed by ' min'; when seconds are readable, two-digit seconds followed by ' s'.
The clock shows 10 h 04 min
